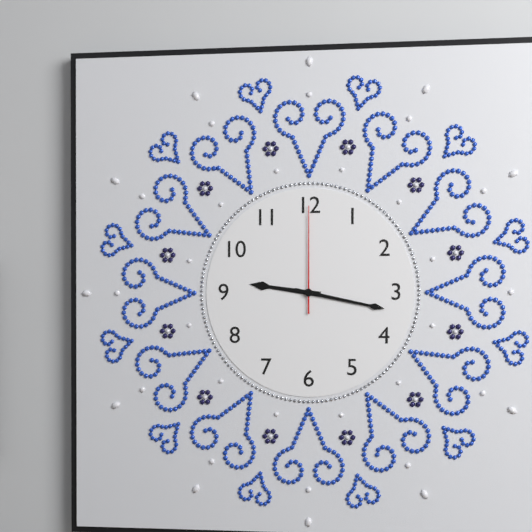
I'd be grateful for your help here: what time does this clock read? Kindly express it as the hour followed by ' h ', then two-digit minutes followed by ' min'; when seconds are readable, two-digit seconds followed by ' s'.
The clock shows 9 h 17 min 00 s
